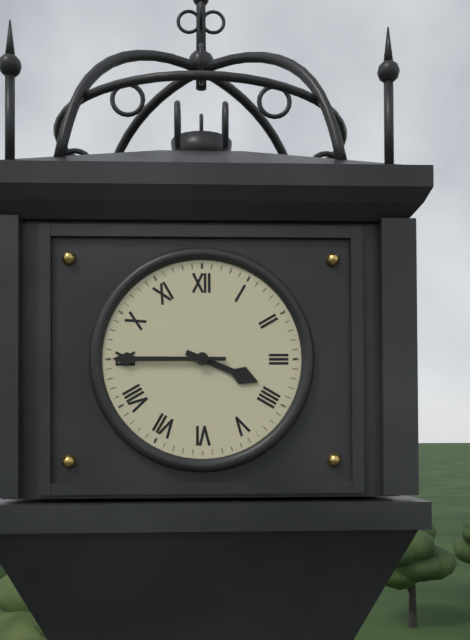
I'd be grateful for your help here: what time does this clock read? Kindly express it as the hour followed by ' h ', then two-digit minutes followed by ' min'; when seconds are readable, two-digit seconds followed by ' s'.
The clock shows 3 h 45 min
